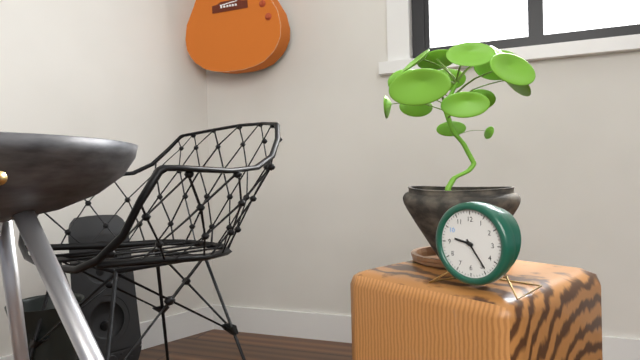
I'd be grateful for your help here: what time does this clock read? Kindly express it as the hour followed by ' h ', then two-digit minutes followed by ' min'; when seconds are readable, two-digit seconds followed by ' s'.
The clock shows 9 h 24 min
